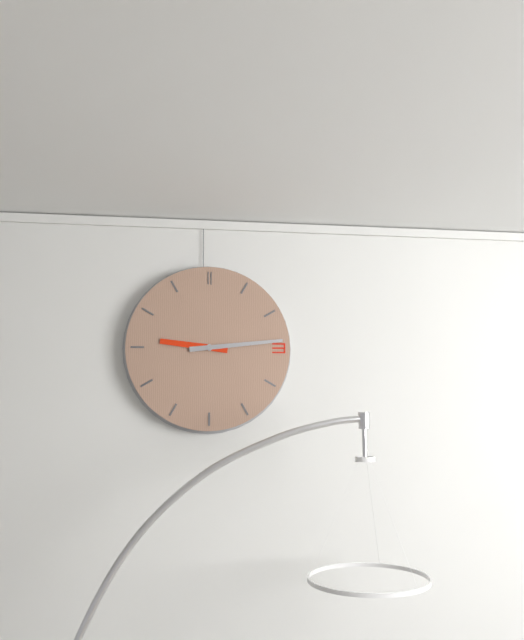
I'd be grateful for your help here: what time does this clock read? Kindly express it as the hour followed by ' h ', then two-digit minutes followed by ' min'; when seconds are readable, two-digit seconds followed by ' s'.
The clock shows 9 h 14 min
